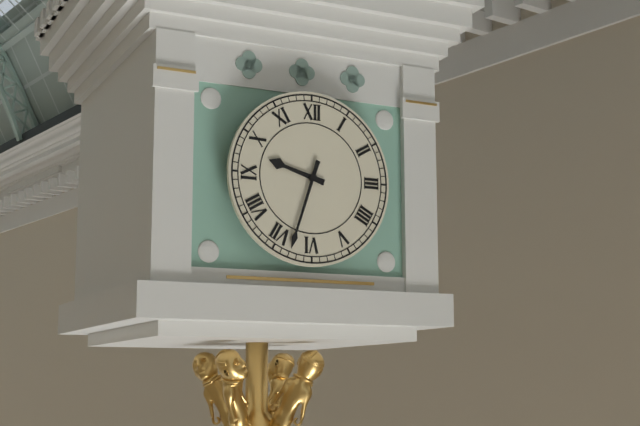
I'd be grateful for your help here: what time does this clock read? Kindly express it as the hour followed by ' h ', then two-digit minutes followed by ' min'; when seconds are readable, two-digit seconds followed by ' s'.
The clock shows 9 h 33 min
